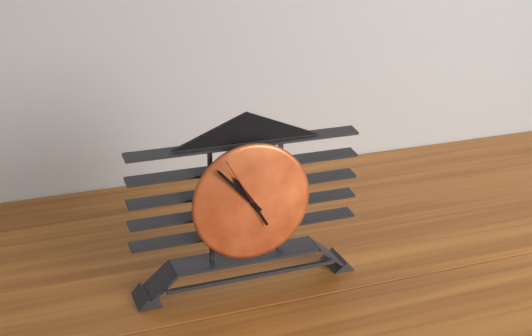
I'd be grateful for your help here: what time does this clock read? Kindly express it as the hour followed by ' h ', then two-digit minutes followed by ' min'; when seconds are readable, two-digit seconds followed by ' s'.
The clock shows 10 h 53 min 55 s
